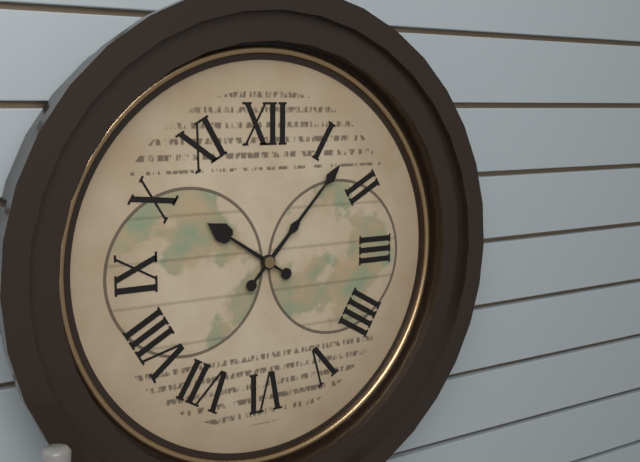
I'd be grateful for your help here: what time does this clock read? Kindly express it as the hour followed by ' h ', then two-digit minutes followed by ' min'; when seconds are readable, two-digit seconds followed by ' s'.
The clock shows 10 h 07 min
